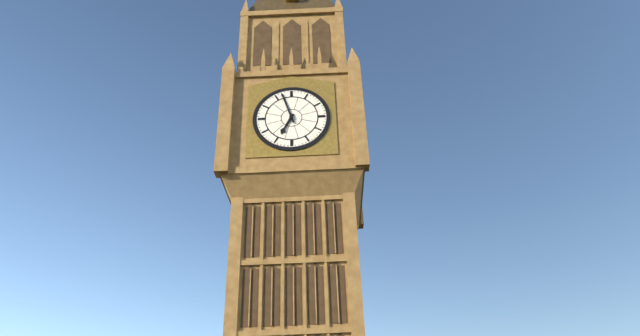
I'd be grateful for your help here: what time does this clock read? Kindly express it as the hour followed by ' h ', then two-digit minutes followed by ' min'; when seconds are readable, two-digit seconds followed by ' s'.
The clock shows 6 h 57 min
